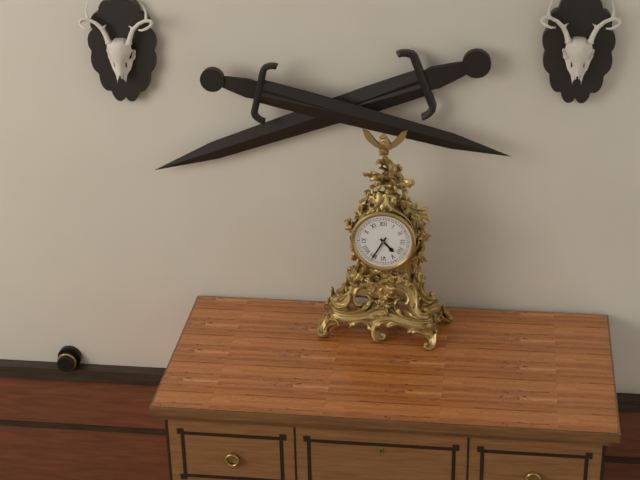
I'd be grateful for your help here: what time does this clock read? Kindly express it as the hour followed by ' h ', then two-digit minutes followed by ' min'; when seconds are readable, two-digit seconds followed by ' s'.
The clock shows 4 h 35 min
